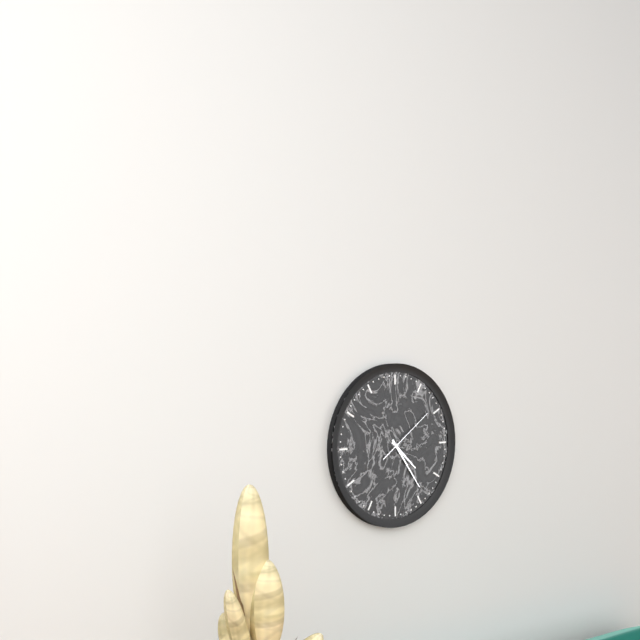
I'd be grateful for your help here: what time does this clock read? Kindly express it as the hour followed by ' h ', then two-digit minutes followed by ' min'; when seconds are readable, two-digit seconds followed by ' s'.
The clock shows 4 h 24 min 09 s
